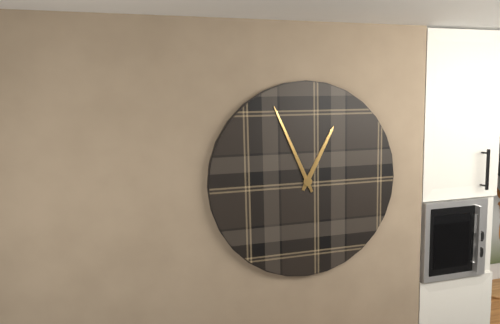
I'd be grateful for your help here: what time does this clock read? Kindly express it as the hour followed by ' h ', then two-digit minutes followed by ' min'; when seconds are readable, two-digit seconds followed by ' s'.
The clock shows 12 h 56 min
